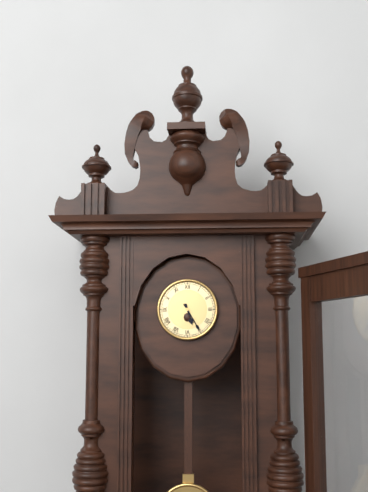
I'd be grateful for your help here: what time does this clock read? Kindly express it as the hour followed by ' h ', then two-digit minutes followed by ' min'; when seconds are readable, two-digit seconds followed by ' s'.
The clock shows 5 h 25 min
